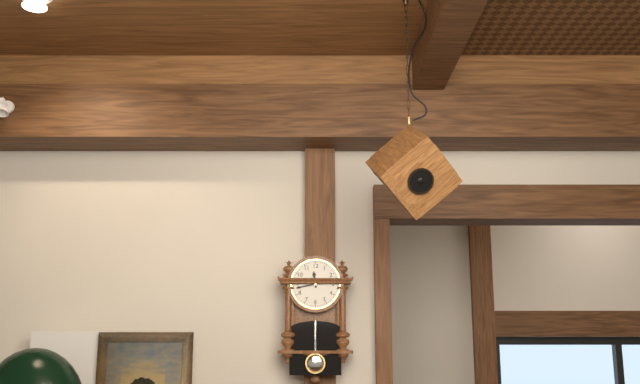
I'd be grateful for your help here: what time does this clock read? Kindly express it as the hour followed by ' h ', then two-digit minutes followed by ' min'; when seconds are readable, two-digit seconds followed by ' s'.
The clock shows 11 h 43 min
